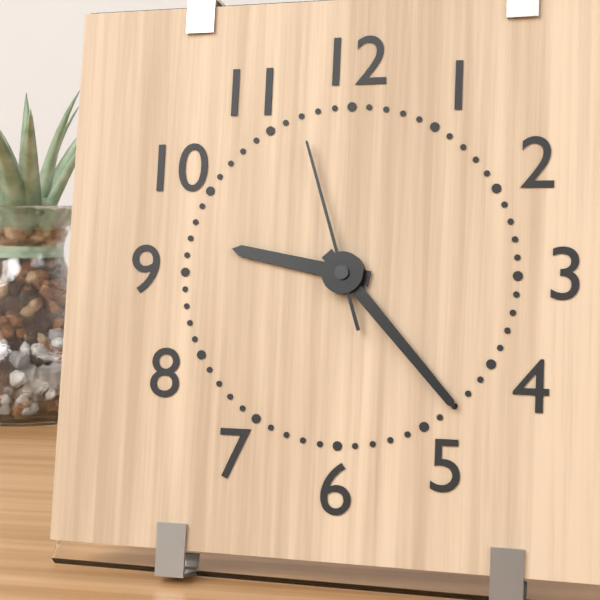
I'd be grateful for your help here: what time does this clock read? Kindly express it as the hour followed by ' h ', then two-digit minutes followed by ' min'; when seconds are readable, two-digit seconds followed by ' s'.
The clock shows 9 h 23 min 57 s
